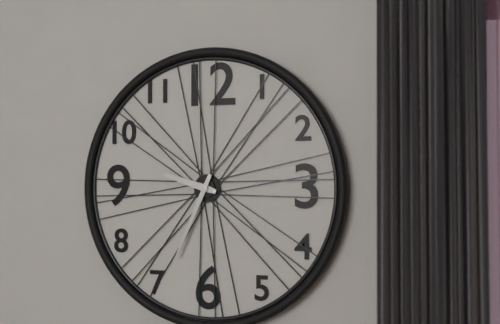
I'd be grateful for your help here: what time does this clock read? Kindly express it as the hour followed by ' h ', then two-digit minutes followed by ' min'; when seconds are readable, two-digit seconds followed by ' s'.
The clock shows 9 h 34 min
